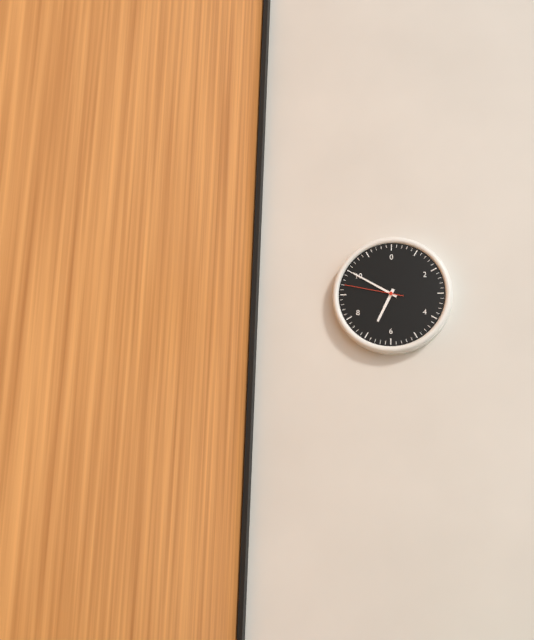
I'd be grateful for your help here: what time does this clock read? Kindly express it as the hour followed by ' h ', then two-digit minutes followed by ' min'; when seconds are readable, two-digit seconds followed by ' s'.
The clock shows 6 h 50 min 47 s
